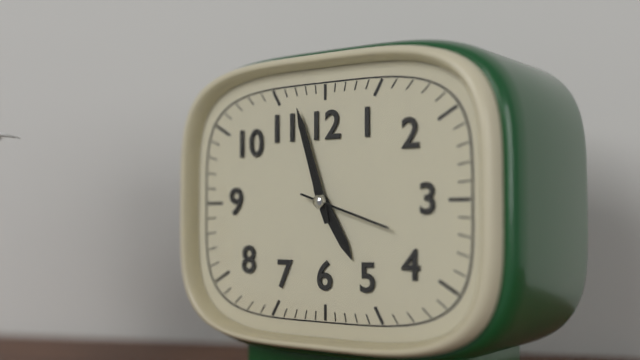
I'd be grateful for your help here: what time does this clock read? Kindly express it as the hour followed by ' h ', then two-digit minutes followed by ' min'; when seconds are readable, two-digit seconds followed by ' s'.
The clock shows 4 h 57 min 18 s
